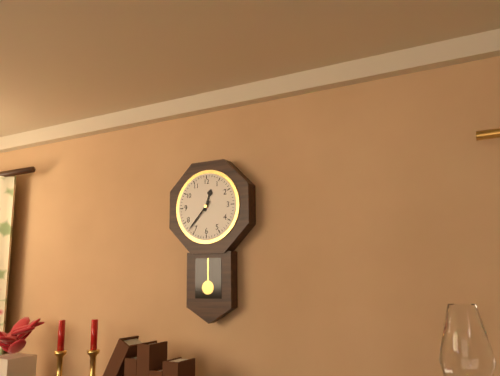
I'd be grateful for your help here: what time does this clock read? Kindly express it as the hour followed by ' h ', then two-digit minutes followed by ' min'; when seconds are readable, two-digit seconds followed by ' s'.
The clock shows 12 h 37 min
